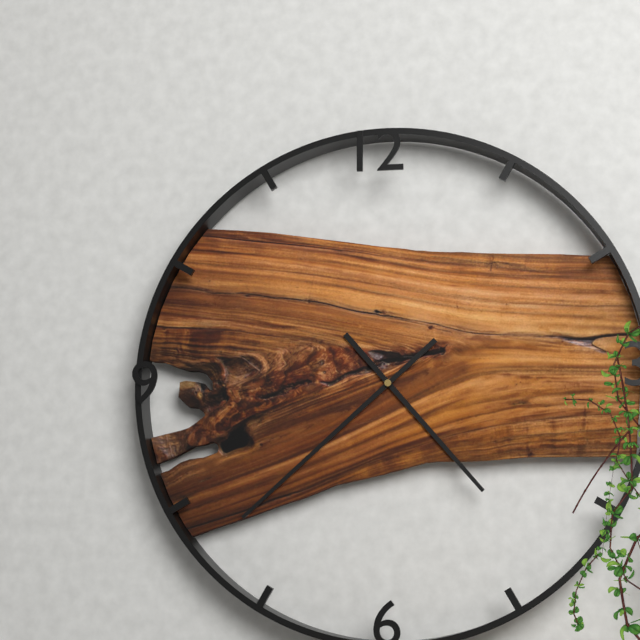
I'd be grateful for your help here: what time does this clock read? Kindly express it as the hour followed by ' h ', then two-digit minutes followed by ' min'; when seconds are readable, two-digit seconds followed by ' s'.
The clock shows 4 h 38 min
